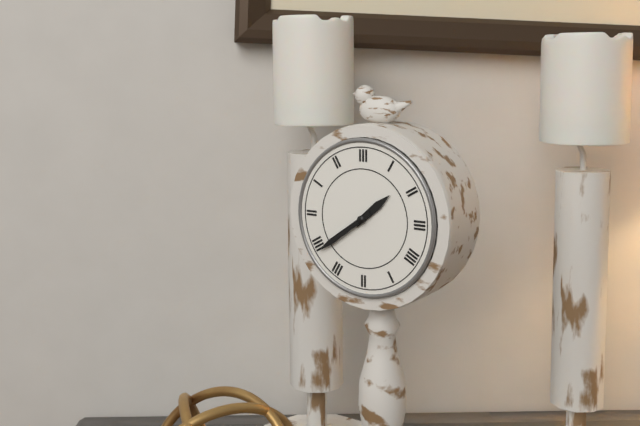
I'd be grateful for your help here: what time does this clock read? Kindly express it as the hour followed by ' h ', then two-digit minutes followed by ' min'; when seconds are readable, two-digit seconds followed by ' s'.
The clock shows 1 h 39 min
